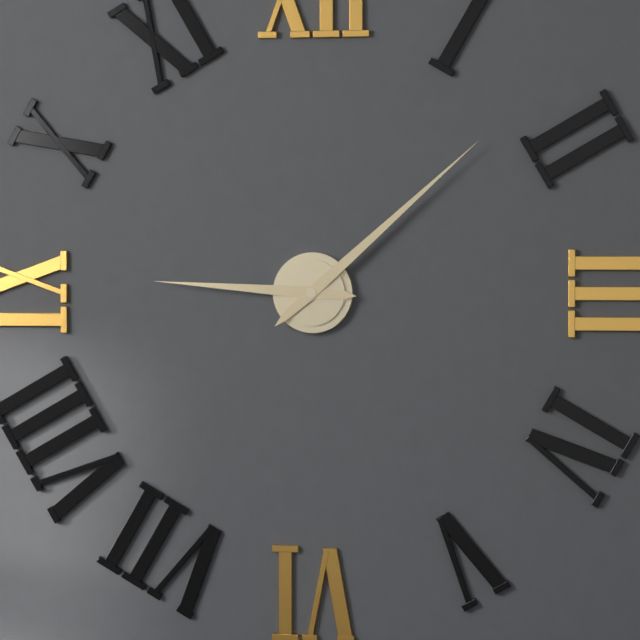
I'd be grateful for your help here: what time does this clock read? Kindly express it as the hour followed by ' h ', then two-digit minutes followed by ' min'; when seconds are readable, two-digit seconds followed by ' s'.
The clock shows 9 h 08 min
